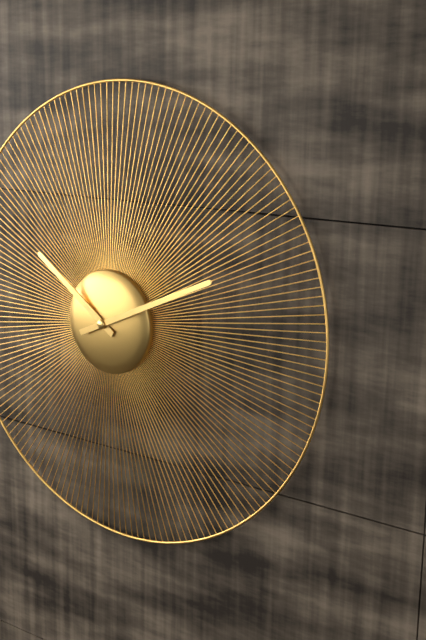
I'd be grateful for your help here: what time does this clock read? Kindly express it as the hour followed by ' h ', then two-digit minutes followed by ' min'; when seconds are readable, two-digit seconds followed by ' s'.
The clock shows 10 h 11 min
